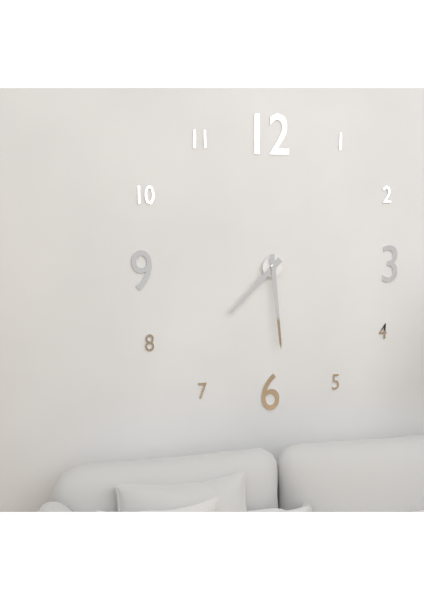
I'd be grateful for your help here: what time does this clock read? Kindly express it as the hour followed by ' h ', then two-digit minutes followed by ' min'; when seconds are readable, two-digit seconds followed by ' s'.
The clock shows 7 h 29 min
